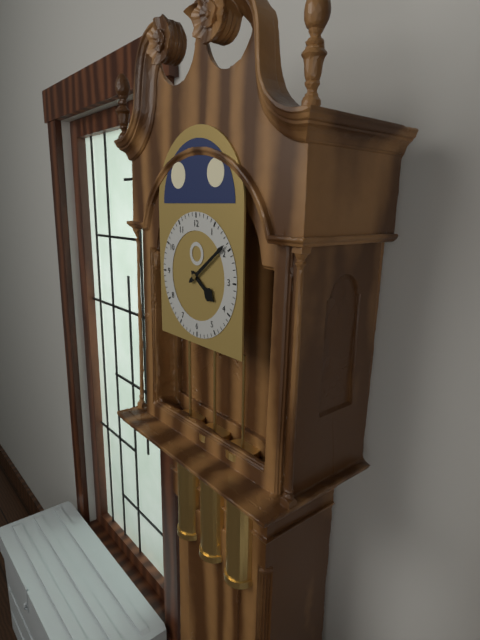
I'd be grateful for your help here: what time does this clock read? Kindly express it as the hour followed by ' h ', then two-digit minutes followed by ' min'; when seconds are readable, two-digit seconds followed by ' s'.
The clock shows 4 h 09 min
